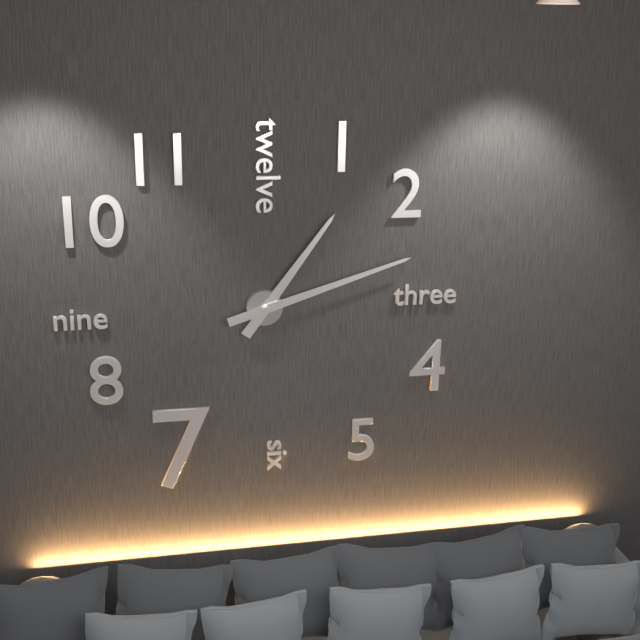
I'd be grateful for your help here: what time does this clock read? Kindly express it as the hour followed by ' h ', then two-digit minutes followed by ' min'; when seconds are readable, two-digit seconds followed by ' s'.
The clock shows 1 h 12 min
